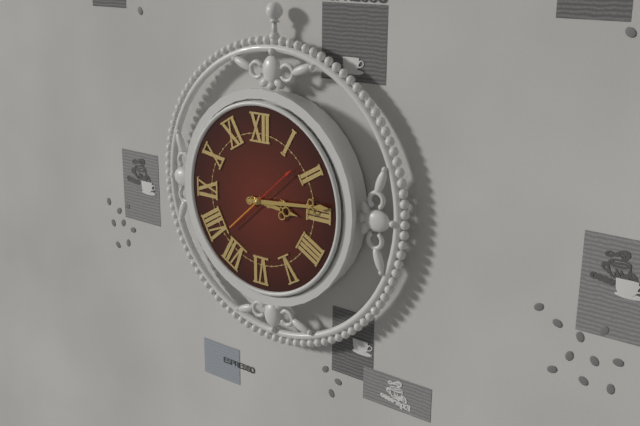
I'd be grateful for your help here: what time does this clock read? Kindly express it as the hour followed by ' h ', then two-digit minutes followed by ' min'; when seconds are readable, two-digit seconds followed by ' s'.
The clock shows 3 h 14 min
